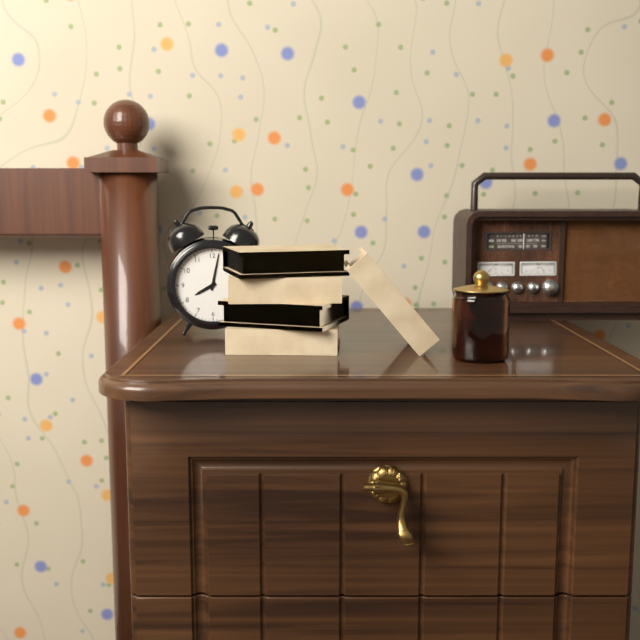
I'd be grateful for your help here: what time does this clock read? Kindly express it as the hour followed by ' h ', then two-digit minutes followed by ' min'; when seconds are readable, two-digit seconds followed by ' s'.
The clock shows 8 h 02 min
